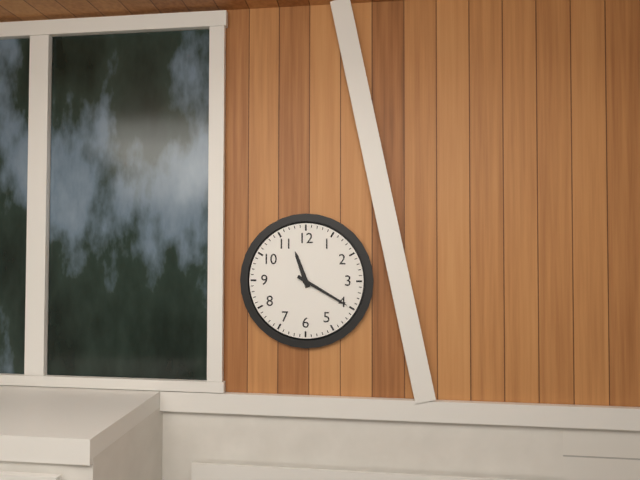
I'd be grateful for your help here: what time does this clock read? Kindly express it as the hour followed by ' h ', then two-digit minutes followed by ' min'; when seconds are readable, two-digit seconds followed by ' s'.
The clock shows 11 h 20 min
